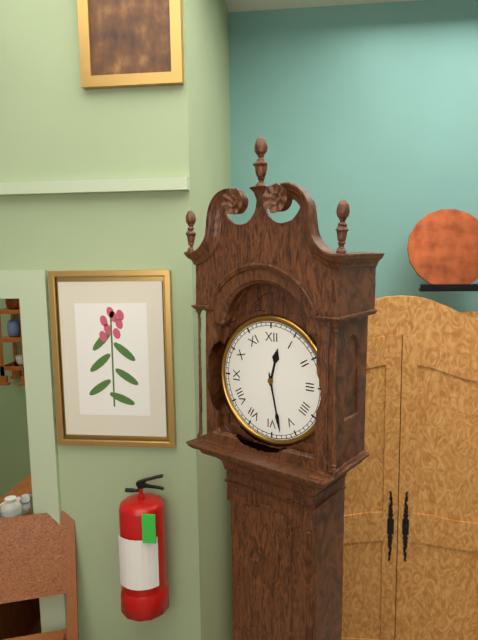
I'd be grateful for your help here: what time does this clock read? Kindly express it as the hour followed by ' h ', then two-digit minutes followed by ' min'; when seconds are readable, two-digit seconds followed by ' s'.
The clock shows 12 h 28 min
